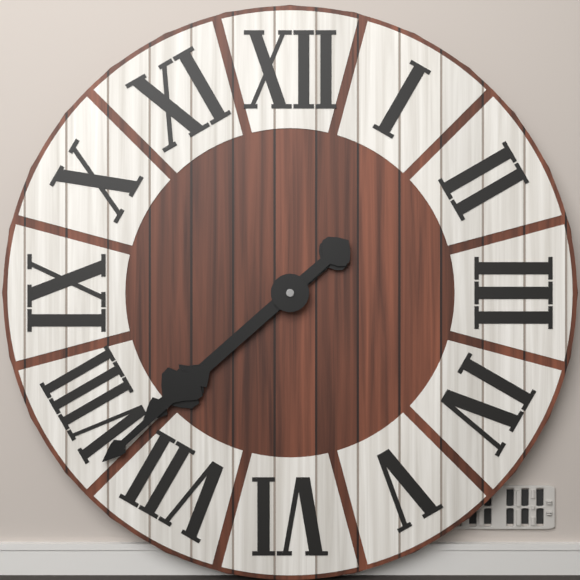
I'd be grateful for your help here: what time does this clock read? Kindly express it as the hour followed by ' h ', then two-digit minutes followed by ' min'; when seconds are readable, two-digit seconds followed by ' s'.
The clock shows 7 h 38 min
